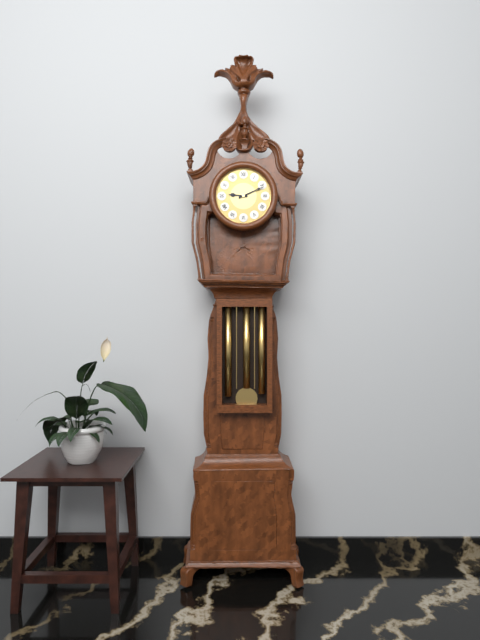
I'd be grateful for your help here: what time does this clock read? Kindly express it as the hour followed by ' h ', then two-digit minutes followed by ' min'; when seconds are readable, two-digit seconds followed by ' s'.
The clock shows 9 h 11 min
